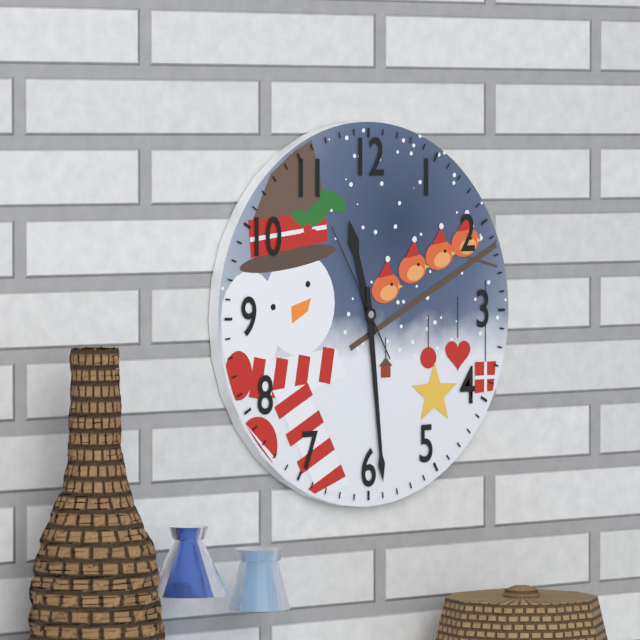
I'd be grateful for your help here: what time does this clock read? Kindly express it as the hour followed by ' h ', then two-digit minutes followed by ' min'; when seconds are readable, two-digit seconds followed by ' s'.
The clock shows 11 h 29 min 55 s
